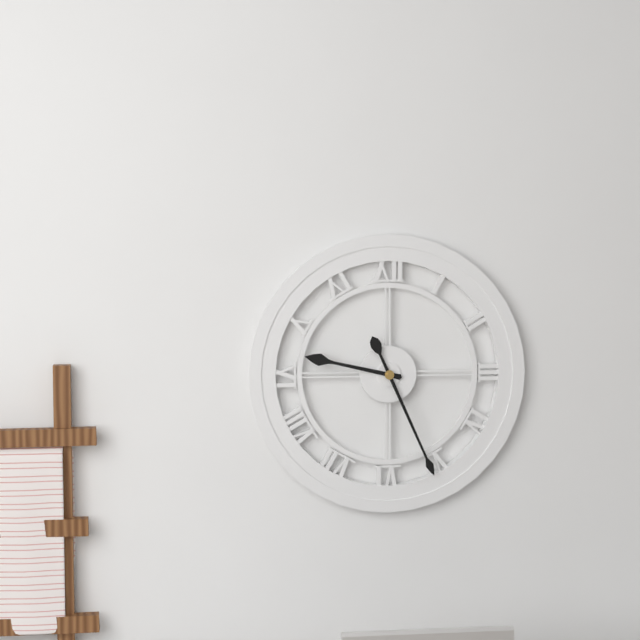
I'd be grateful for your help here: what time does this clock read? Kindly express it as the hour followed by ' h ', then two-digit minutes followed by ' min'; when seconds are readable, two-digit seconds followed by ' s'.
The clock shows 9 h 26 min
